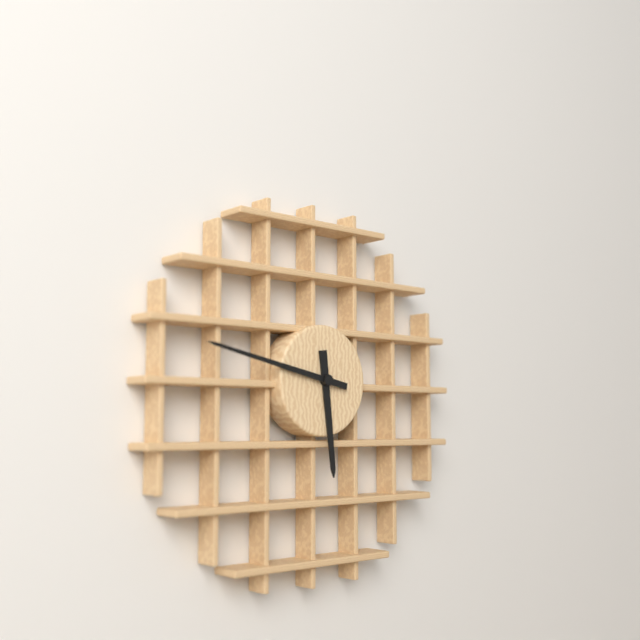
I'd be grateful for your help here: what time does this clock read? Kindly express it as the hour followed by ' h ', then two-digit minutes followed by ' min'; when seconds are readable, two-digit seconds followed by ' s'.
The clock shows 5 h 47 min
